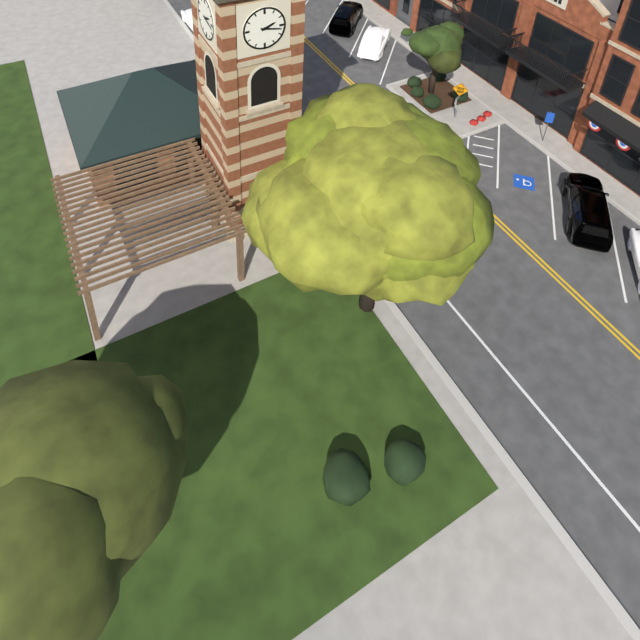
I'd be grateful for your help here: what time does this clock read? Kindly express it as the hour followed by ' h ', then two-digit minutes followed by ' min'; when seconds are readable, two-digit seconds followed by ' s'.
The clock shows 2 h 17 min
